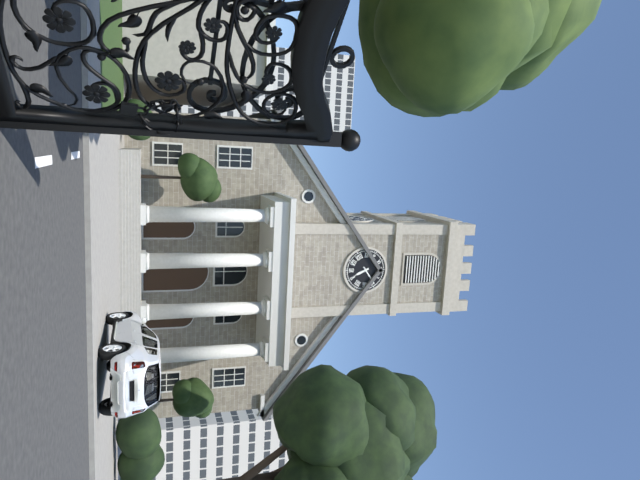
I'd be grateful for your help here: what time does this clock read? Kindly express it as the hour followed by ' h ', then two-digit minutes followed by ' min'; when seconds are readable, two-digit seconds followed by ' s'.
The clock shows 5 h 09 min
